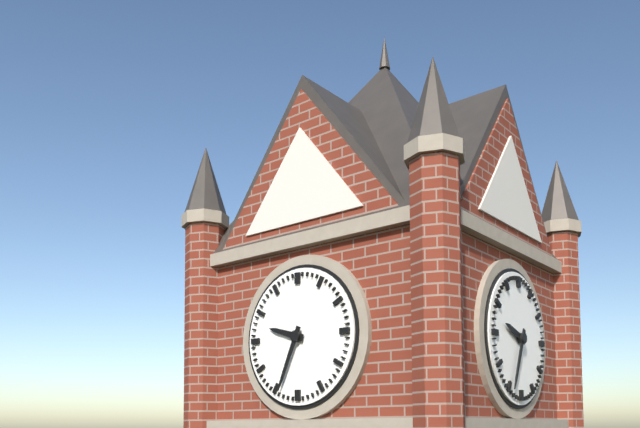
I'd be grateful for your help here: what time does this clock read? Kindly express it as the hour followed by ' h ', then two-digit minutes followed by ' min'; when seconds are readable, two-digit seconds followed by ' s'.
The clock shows 9 h 34 min
